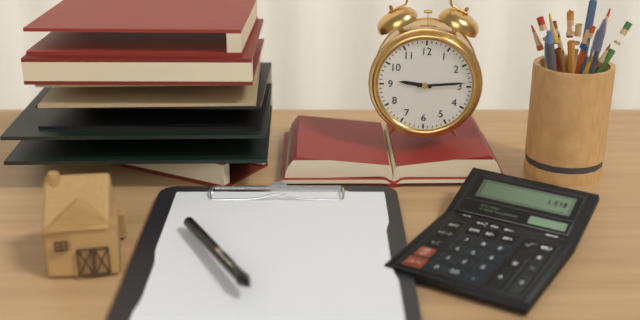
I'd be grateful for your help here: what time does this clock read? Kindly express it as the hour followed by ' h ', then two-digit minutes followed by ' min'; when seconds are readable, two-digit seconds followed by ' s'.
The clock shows 9 h 14 min
